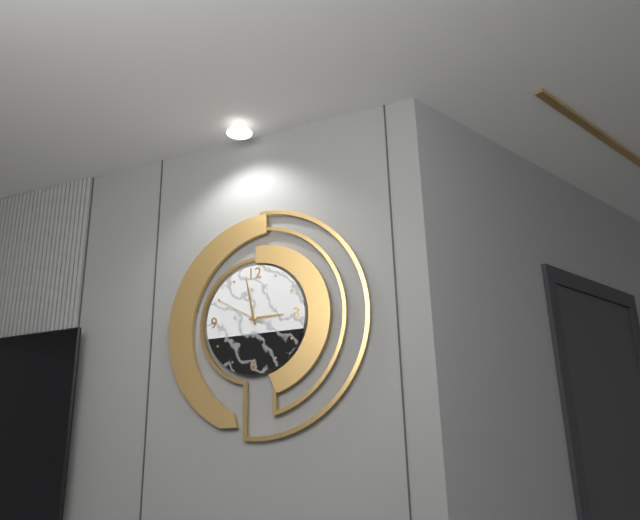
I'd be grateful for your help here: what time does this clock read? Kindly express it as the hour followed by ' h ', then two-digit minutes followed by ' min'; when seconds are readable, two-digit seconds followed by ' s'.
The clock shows 2 h 58 min 50 s
